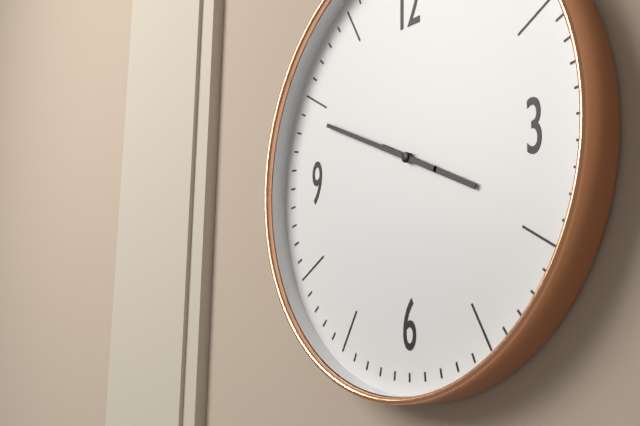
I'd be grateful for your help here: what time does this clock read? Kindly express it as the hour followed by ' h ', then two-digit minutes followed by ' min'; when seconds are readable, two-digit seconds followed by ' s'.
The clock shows 3 h 49 min
